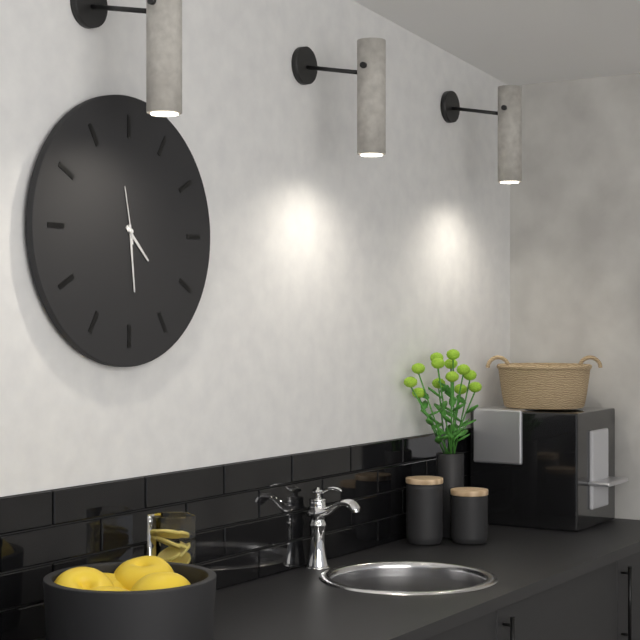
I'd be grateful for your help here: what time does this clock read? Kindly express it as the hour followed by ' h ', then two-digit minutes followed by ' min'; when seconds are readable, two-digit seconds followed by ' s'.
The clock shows 4 h 29 min 58 s
